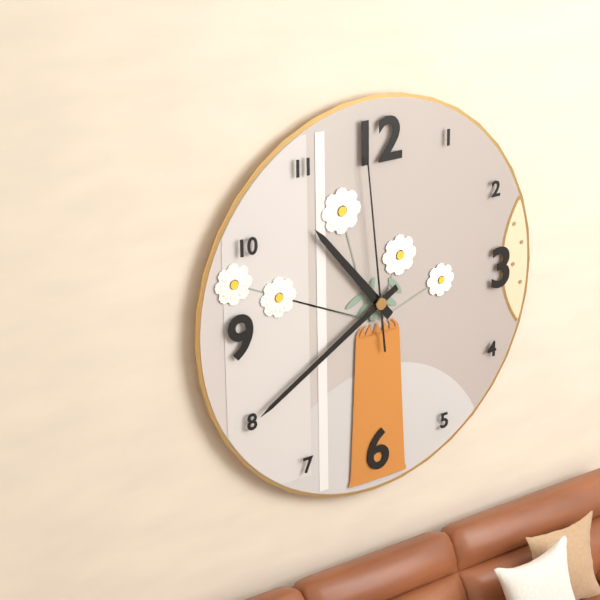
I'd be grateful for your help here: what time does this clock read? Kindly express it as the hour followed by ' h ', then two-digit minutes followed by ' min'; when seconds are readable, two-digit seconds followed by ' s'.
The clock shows 10 h 40 min 59 s
